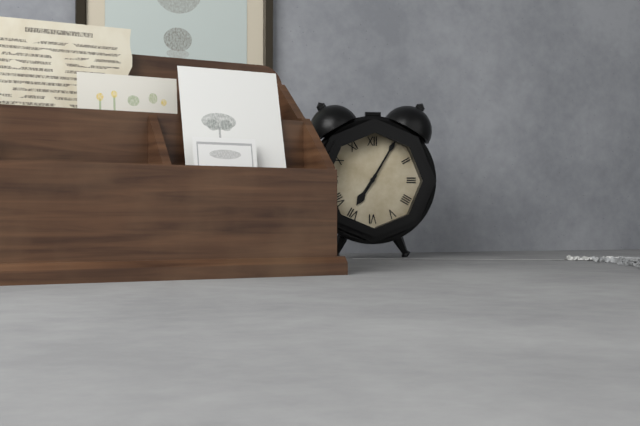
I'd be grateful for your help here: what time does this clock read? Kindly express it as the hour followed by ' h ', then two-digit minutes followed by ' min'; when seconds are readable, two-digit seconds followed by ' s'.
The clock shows 7 h 05 min
